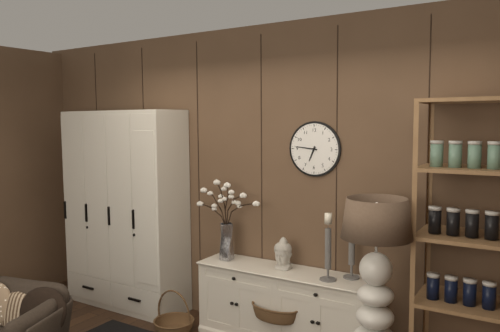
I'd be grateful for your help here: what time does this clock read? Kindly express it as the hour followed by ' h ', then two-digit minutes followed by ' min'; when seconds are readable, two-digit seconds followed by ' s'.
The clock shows 6 h 46 min
